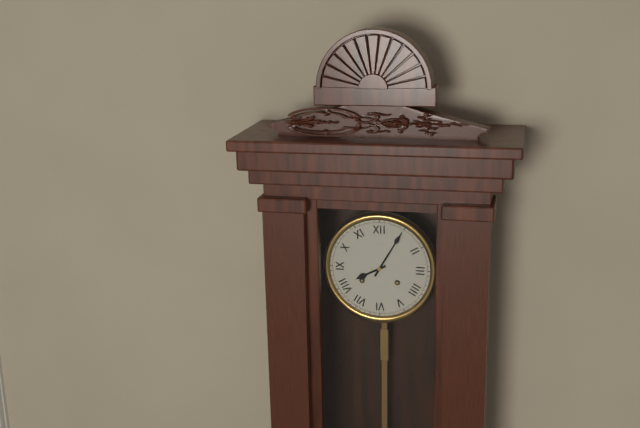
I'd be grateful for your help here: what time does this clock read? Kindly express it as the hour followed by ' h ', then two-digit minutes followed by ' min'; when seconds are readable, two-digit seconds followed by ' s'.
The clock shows 8 h 05 min
